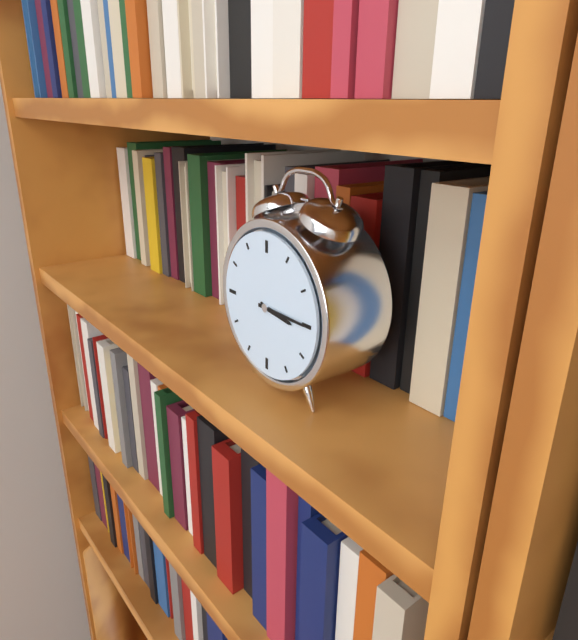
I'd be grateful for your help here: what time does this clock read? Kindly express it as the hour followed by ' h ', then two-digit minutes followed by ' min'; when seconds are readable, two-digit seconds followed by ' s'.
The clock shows 3 h 15 min
